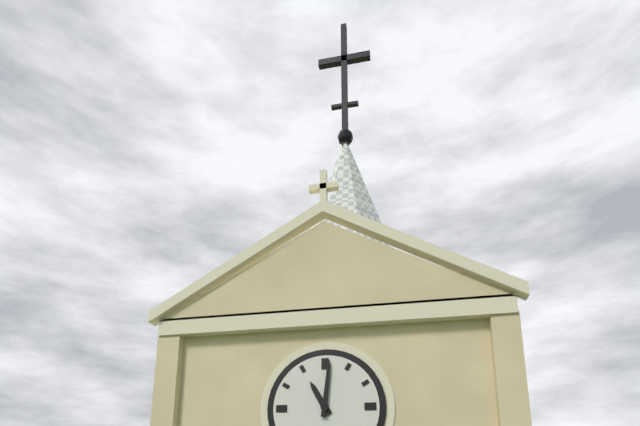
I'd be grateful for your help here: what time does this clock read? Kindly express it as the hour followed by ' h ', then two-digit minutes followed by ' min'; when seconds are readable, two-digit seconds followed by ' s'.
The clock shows 11 h 01 min
